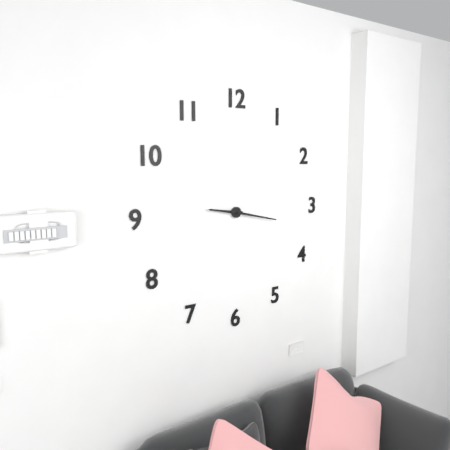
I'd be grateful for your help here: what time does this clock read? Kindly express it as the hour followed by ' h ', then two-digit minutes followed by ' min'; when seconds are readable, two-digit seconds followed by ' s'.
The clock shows 9 h 17 min
